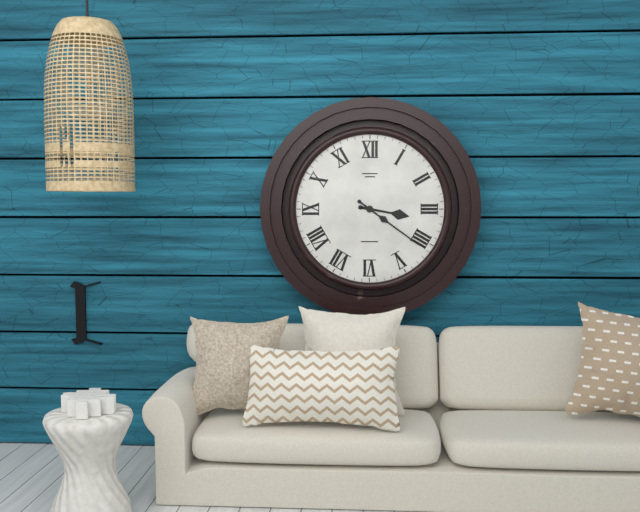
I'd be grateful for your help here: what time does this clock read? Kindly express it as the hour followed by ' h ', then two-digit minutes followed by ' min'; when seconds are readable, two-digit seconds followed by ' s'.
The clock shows 3 h 21 min
